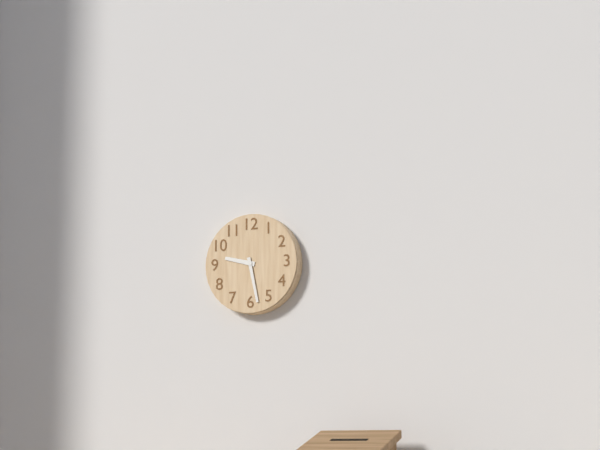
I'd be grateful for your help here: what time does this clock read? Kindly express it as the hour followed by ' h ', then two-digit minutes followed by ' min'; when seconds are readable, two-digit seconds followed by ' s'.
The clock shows 9 h 28 min
